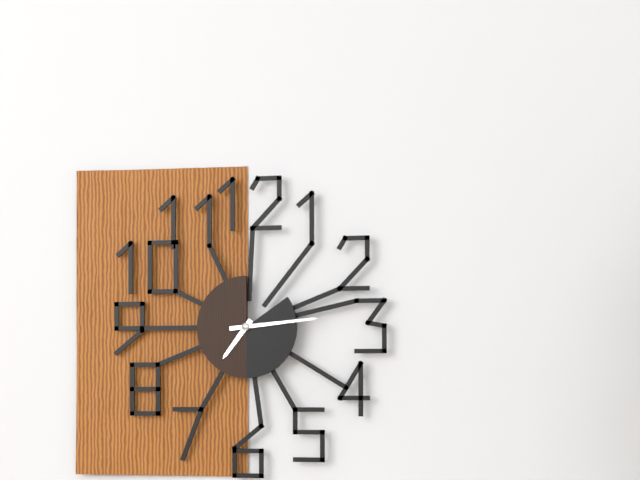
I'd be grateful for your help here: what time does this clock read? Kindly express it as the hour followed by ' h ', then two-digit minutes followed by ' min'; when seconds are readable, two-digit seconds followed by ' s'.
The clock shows 7 h 14 min
